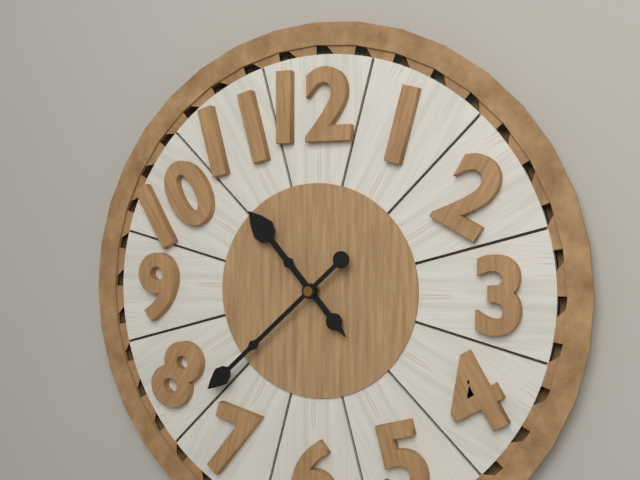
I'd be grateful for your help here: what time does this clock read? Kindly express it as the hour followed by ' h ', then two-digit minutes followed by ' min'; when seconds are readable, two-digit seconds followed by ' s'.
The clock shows 10 h 38 min
